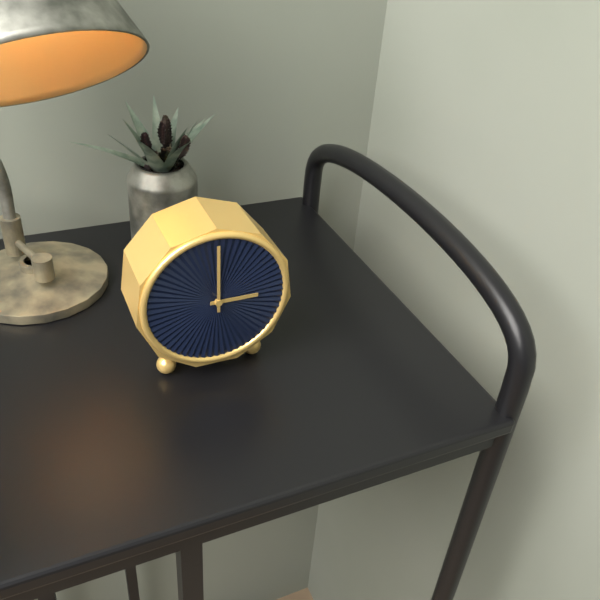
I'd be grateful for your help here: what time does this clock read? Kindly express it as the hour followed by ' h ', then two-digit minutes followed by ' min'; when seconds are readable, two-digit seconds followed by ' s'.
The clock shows 3 h 00 min
